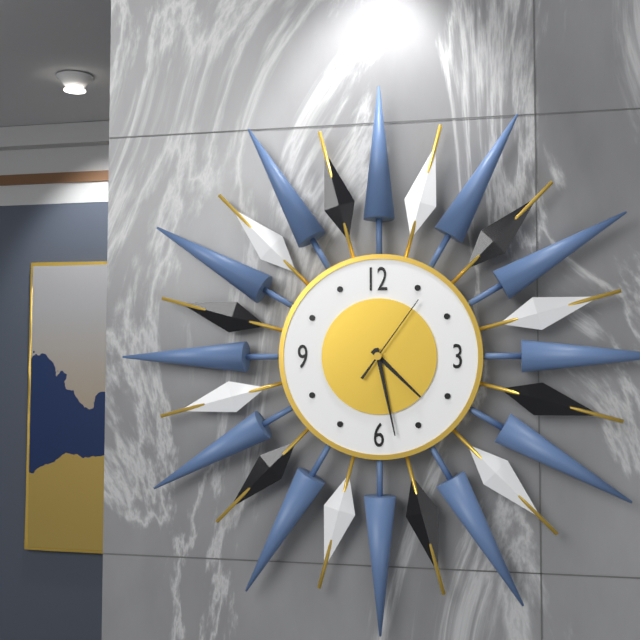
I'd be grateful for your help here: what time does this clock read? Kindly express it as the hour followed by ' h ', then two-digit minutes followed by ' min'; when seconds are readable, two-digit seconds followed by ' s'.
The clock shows 4 h 28 min 06 s
